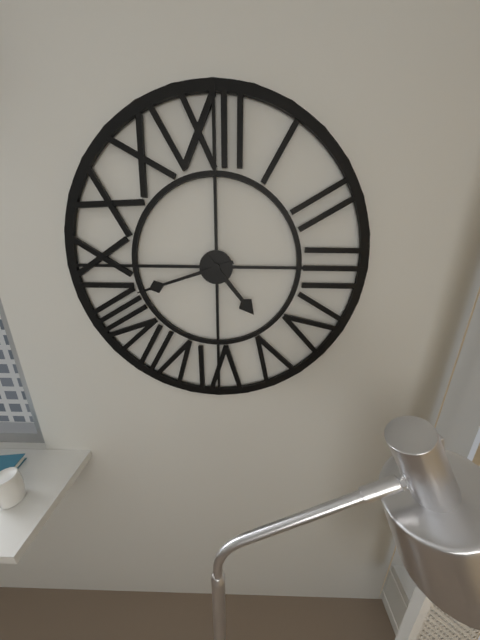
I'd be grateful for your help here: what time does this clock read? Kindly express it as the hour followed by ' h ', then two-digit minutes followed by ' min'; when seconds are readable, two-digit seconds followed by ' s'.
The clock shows 4 h 42 min
